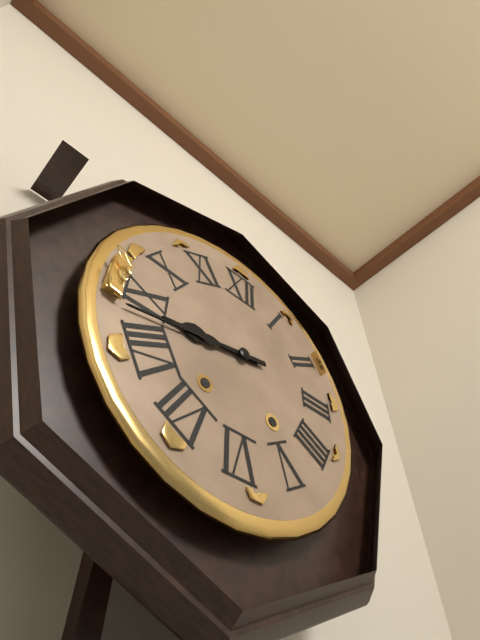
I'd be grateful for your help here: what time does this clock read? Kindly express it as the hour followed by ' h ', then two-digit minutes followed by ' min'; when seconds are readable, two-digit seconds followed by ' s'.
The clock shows 8 h 43 min
